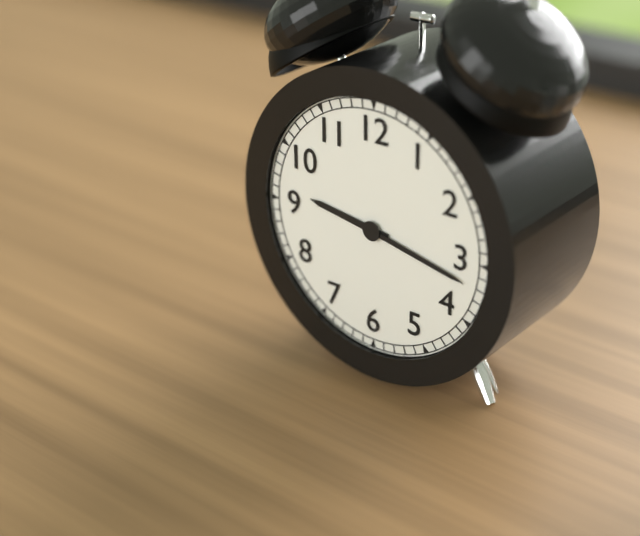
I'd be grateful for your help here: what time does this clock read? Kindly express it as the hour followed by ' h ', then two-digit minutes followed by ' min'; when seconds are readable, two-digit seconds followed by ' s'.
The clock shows 9 h 17 min
